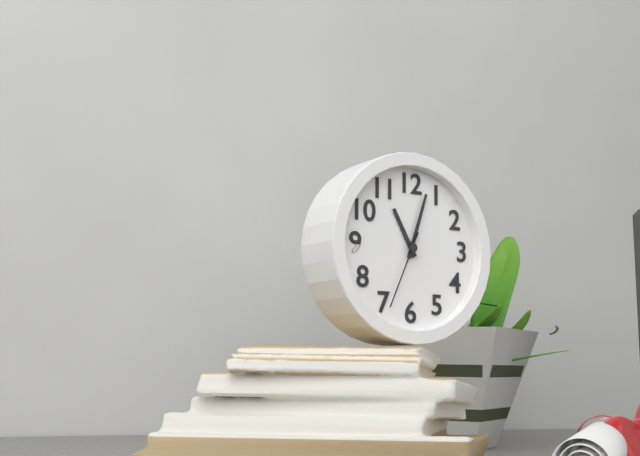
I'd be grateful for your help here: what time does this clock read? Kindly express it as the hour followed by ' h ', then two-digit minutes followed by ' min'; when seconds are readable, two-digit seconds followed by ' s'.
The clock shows 11 h 03 min 34 s
